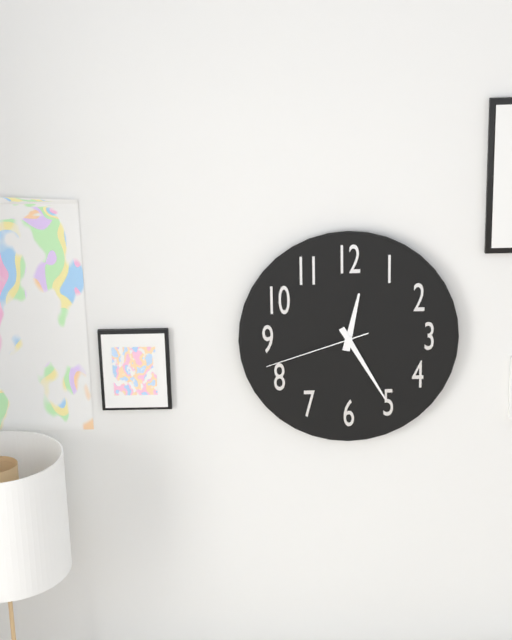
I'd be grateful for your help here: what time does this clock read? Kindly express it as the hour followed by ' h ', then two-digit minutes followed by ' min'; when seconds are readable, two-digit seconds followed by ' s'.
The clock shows 12 h 25 min 42 s
